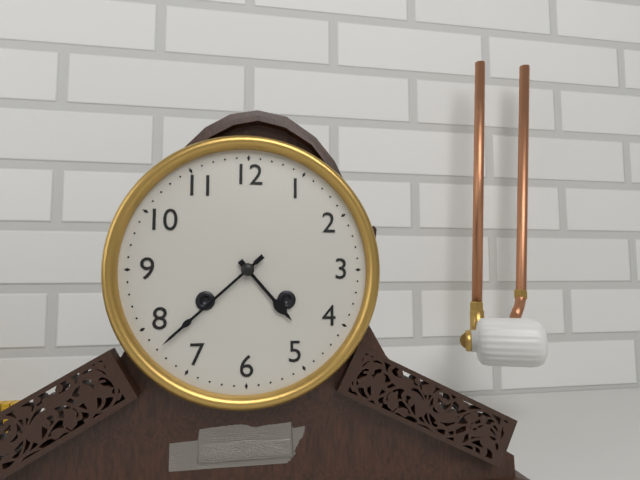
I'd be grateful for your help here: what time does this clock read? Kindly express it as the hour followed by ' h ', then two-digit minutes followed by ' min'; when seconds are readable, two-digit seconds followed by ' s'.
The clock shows 4 h 38 min
